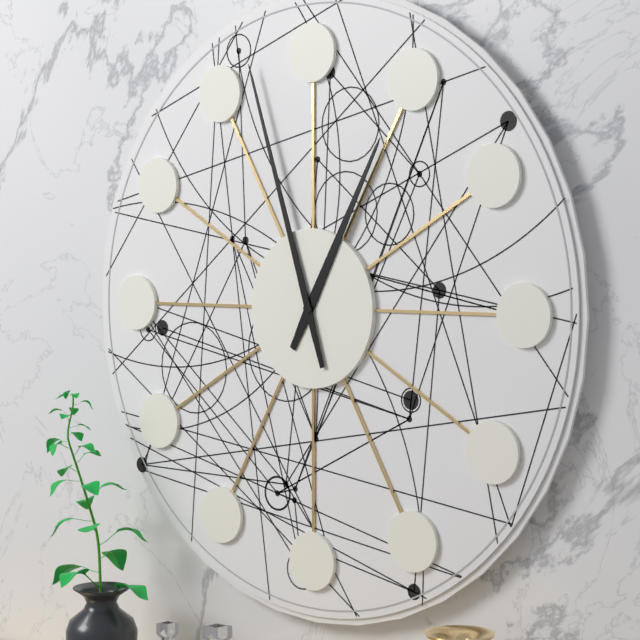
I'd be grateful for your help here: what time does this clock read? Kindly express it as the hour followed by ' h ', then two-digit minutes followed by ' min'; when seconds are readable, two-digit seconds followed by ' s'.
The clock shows 12 h 57 min
